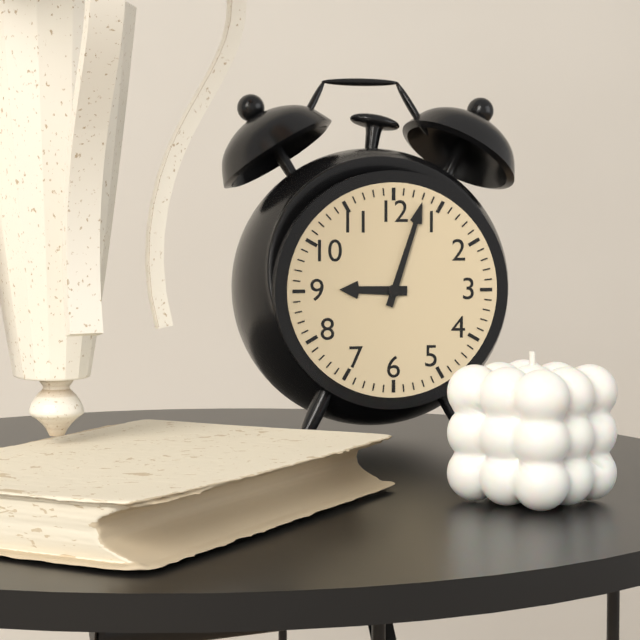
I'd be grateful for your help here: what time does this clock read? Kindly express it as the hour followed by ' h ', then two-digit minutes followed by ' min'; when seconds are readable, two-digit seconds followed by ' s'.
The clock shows 9 h 03 min
